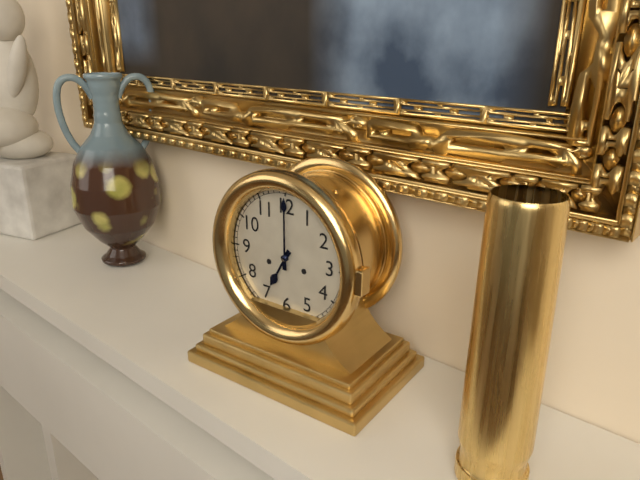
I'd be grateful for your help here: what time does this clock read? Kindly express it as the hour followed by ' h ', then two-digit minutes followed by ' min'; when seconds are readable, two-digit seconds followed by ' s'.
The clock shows 7 h 00 min
